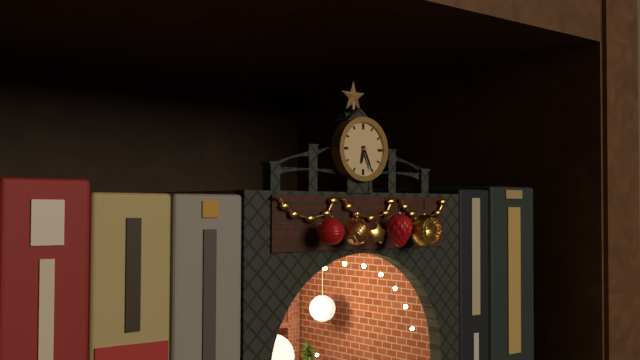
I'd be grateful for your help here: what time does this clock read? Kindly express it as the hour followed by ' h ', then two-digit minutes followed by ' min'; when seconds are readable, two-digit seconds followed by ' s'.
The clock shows 6 h 26 min
